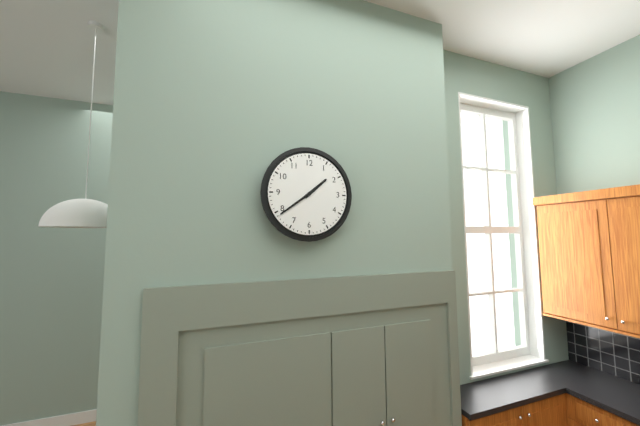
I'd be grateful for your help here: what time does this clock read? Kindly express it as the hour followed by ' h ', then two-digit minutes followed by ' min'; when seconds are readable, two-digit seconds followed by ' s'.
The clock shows 1 h 39 min
